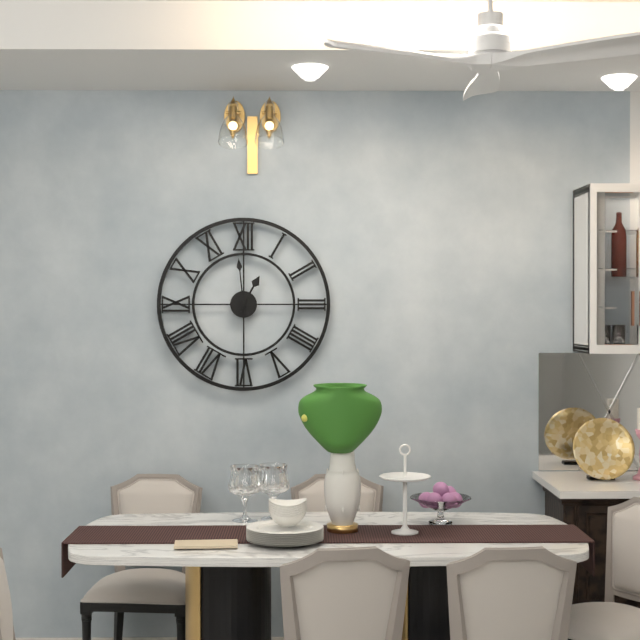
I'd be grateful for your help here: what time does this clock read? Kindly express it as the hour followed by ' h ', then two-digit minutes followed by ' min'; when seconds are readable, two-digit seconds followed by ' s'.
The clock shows 12 h 59 min
